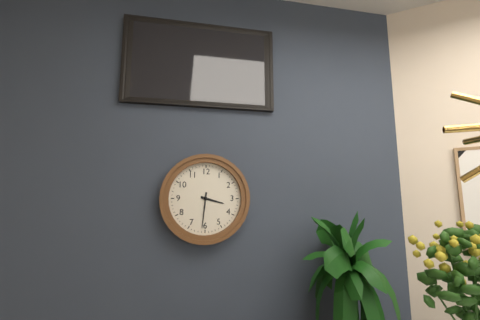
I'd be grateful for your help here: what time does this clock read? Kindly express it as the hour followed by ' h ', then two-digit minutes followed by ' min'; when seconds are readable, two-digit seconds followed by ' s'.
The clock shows 3 h 31 min
